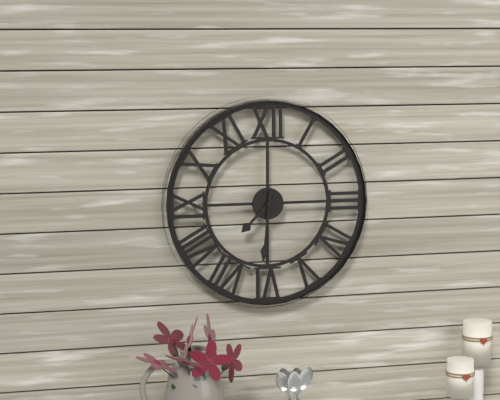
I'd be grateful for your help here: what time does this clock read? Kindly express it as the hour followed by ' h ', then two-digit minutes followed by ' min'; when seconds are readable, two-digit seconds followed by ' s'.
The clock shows 7 h 31 min
